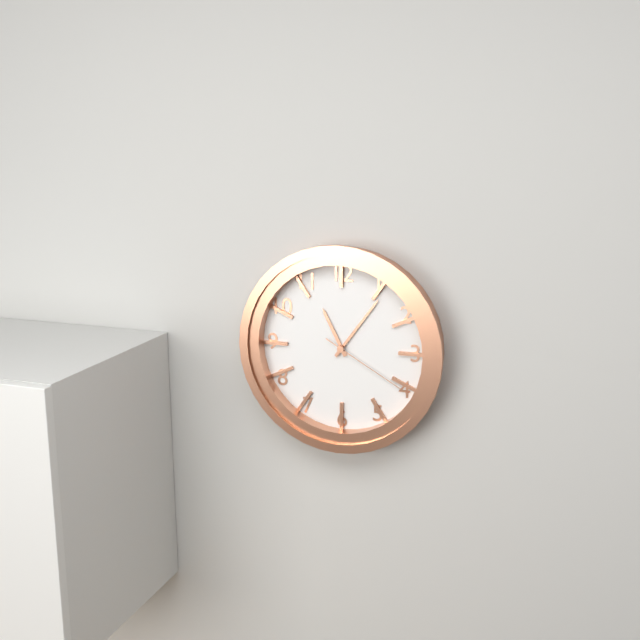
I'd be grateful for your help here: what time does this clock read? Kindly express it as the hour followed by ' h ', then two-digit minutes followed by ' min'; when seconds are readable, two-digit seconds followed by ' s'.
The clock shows 11 h 06 min 20 s
